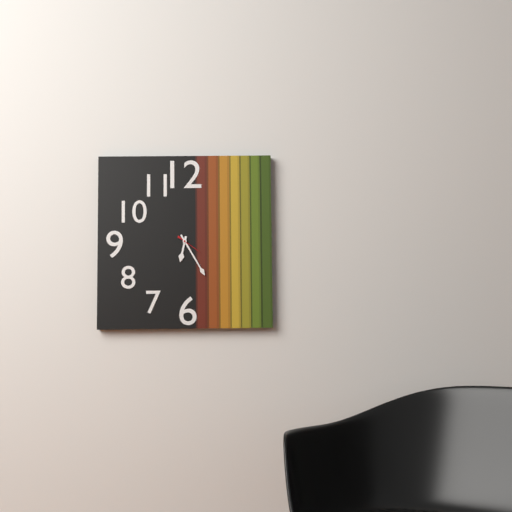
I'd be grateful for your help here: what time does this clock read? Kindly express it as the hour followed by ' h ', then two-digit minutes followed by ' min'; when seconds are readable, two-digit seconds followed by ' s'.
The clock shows 6 h 25 min
